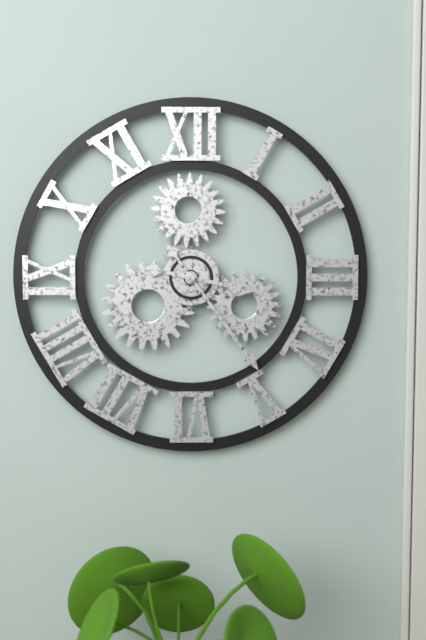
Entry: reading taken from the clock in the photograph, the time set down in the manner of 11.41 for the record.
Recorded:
3.24
